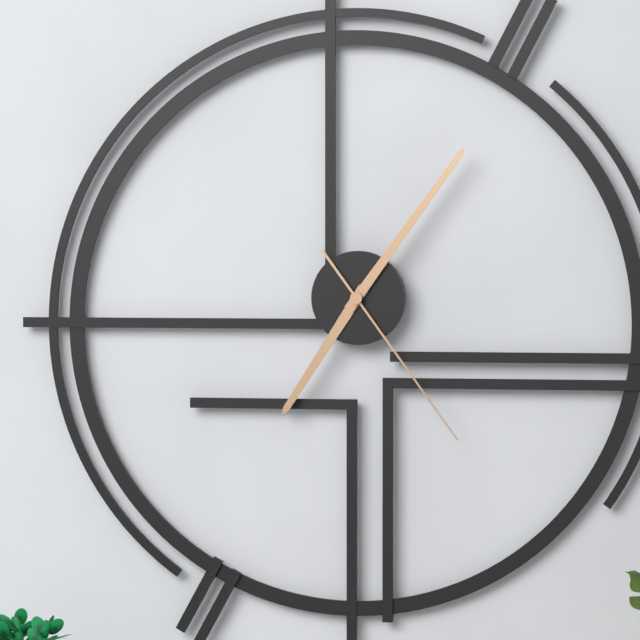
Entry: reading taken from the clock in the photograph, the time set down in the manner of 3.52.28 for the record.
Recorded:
7.06.24
